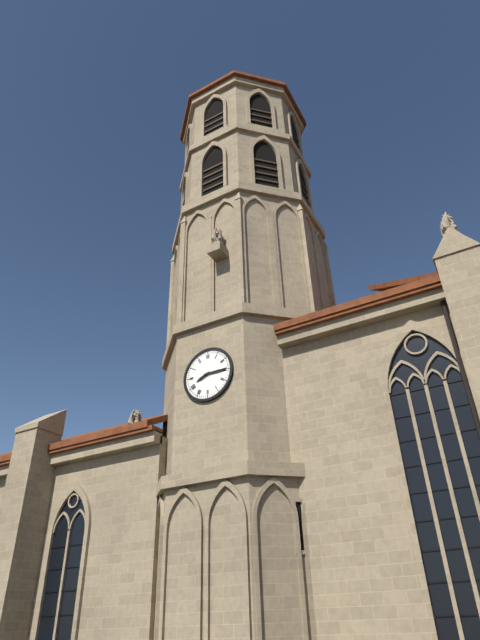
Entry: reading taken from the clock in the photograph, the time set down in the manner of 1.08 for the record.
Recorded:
8.15
